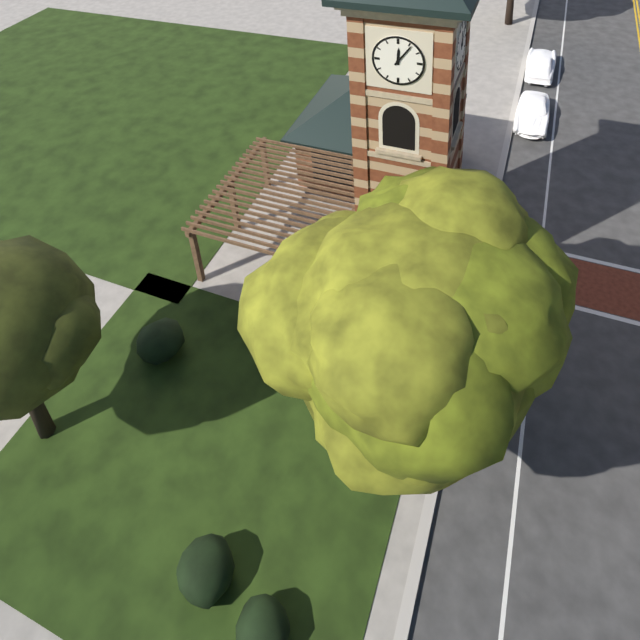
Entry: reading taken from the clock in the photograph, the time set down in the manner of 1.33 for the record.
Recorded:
12.06
